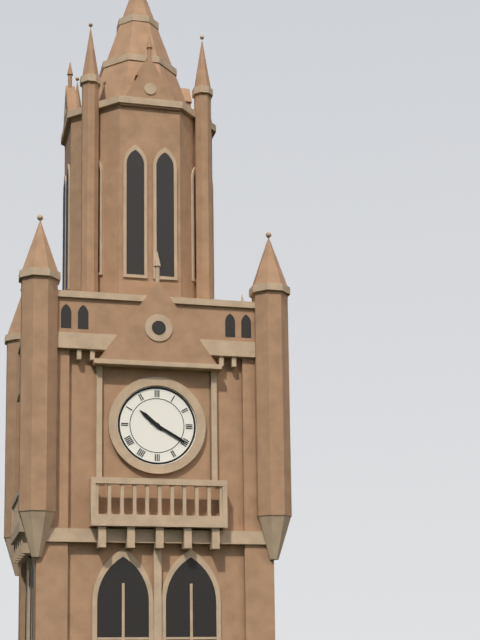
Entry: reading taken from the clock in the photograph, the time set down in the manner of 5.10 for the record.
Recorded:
10.20
